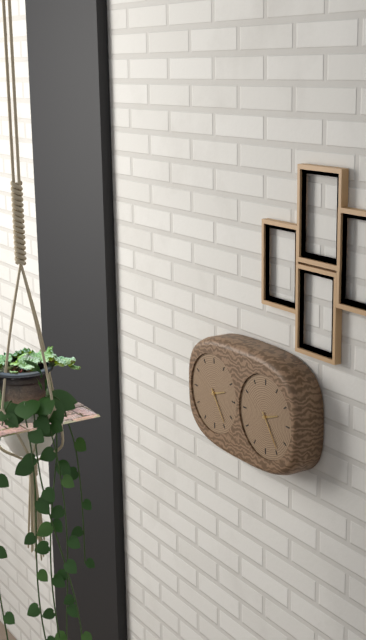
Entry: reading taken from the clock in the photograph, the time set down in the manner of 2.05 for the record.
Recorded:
2.24
